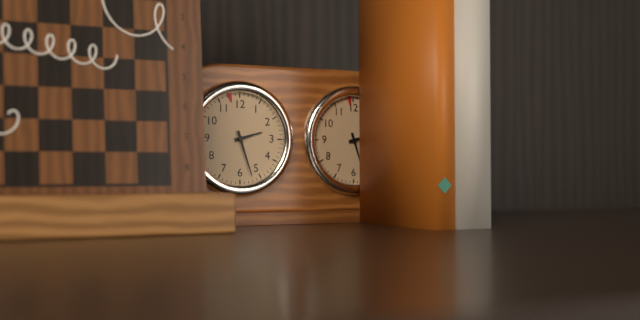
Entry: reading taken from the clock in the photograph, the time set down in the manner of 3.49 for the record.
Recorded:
2.27
